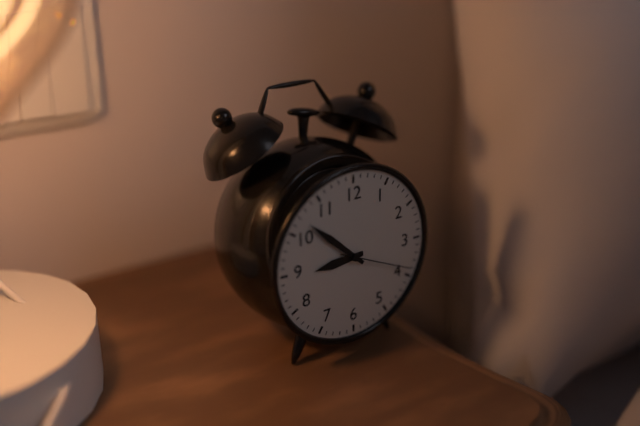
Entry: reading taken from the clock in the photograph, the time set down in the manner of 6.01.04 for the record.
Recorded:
8.52.19
